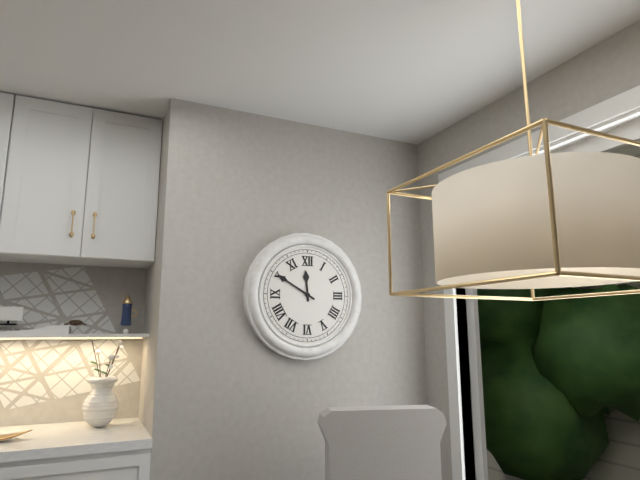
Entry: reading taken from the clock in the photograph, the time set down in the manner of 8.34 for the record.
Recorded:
11.50
